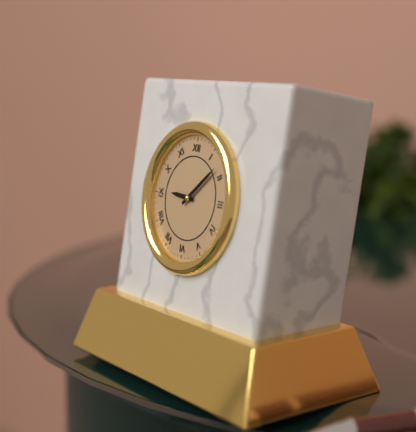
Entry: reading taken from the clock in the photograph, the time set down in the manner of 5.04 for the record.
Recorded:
9.08
